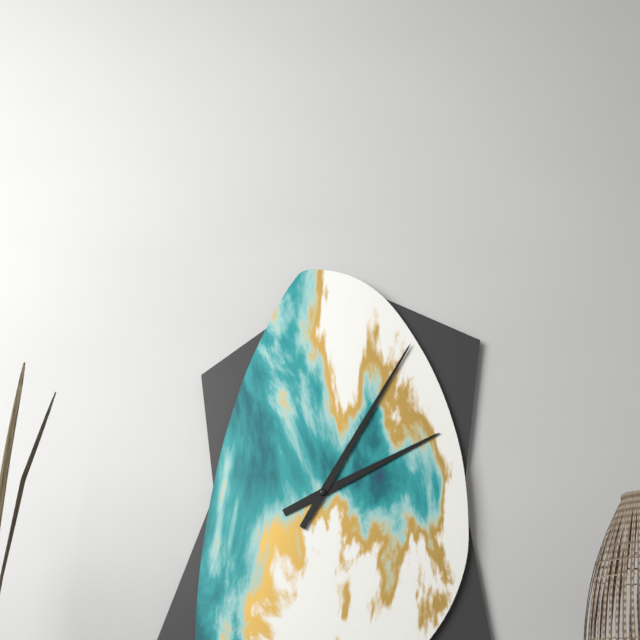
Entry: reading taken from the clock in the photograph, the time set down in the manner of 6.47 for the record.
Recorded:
2.05
